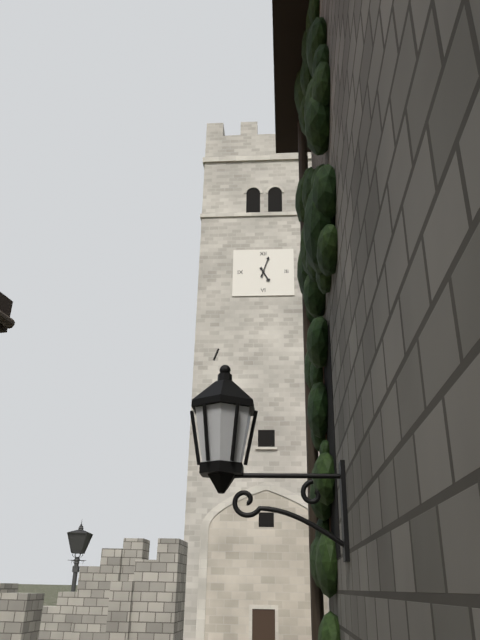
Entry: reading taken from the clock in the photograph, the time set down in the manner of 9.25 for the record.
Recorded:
5.03
